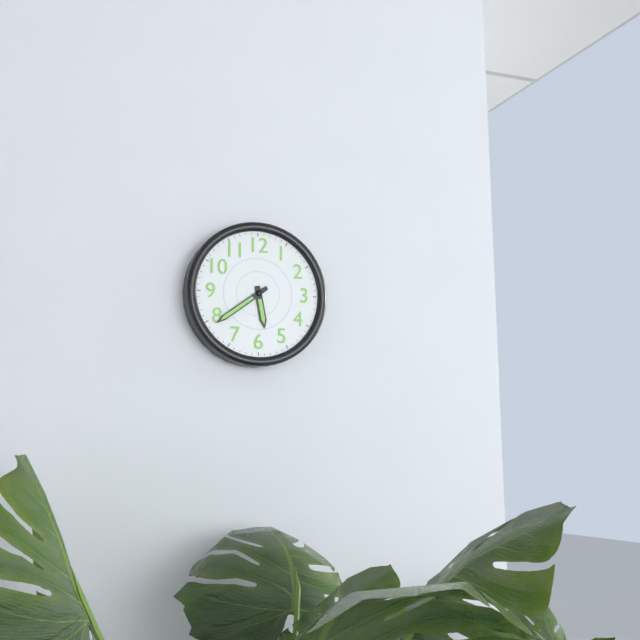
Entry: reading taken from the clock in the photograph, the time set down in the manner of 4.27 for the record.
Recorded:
5.39
